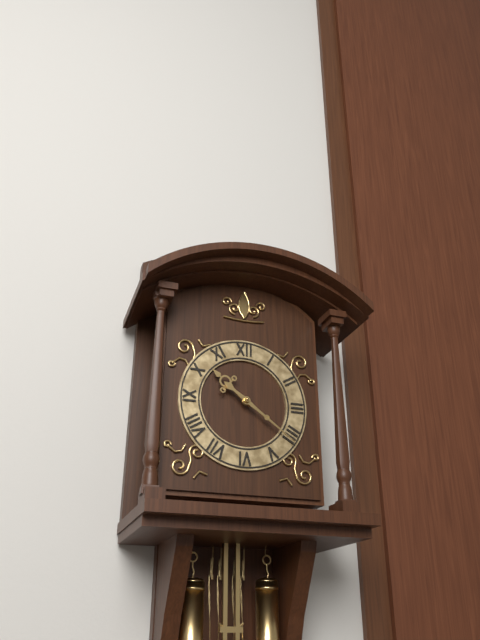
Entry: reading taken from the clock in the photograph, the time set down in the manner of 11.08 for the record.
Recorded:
10.21
